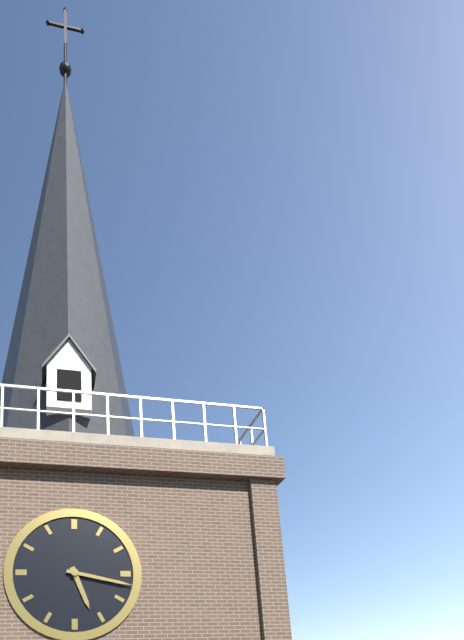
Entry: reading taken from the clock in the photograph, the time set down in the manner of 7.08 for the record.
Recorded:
5.17
